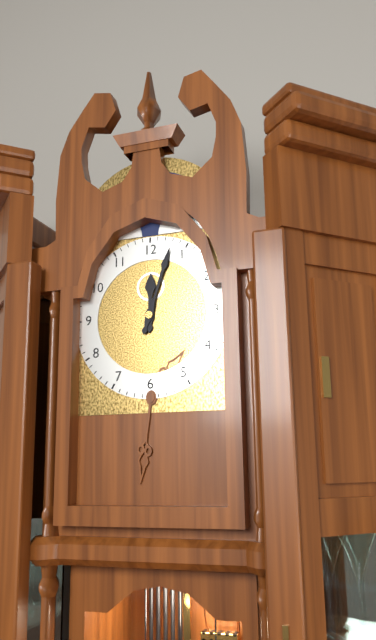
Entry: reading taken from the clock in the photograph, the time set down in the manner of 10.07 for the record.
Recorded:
12.03
